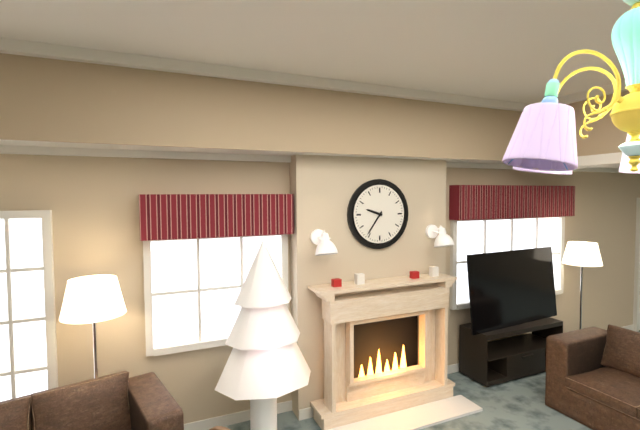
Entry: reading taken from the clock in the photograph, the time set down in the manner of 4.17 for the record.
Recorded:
9.36
